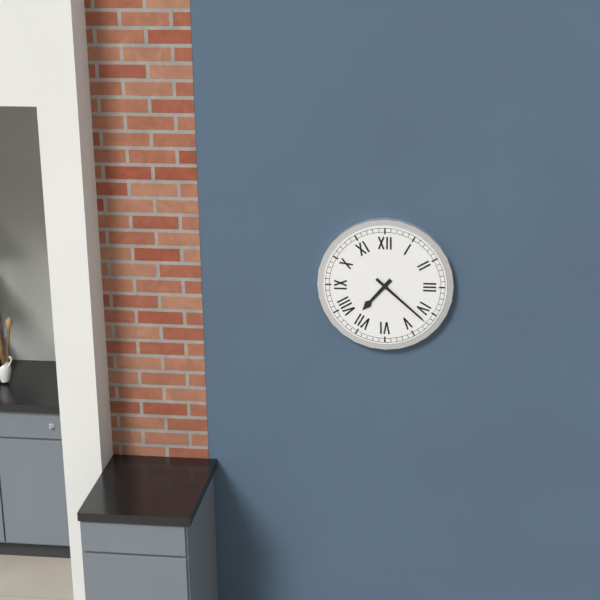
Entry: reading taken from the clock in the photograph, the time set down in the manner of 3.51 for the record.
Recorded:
7.22
